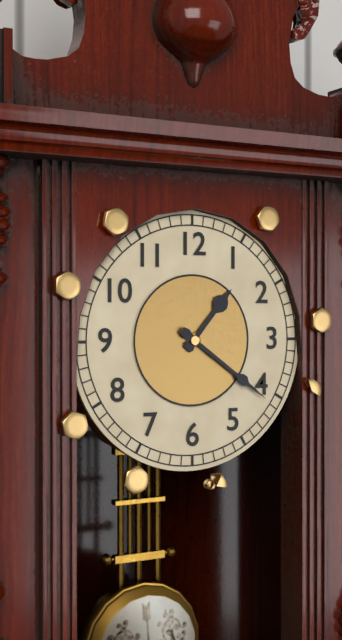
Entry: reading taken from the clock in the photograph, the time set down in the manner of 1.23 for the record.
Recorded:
1.21
